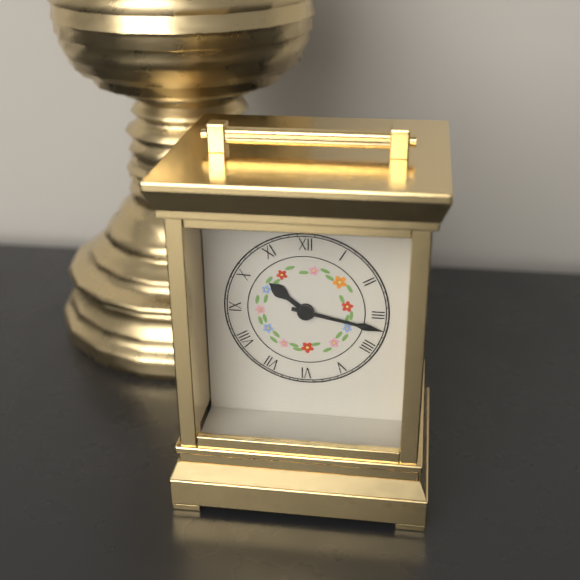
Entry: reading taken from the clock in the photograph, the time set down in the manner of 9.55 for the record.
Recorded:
10.17
